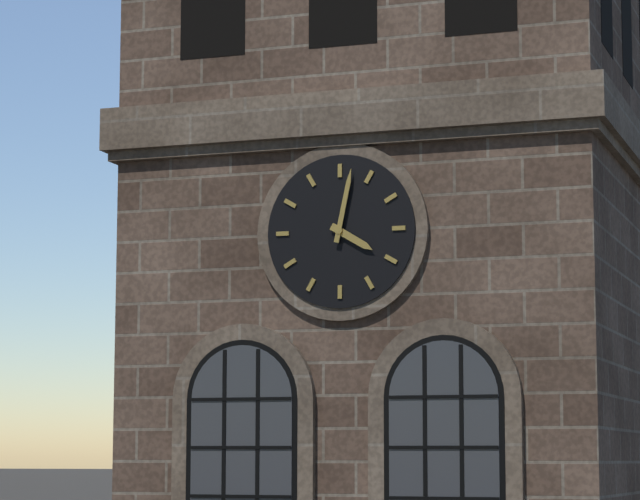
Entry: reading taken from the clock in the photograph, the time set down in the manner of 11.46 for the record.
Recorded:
4.02
